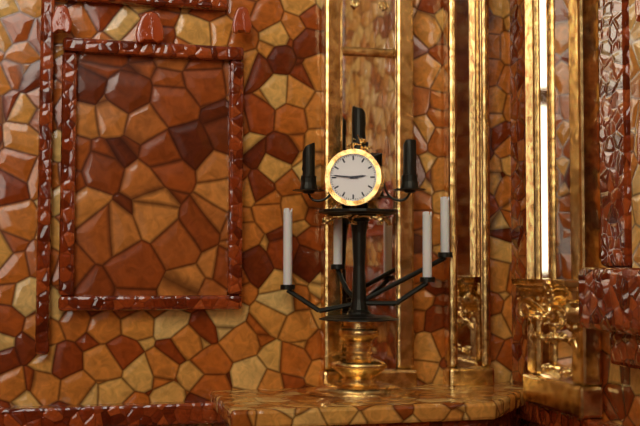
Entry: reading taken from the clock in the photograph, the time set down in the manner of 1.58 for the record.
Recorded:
2.46
